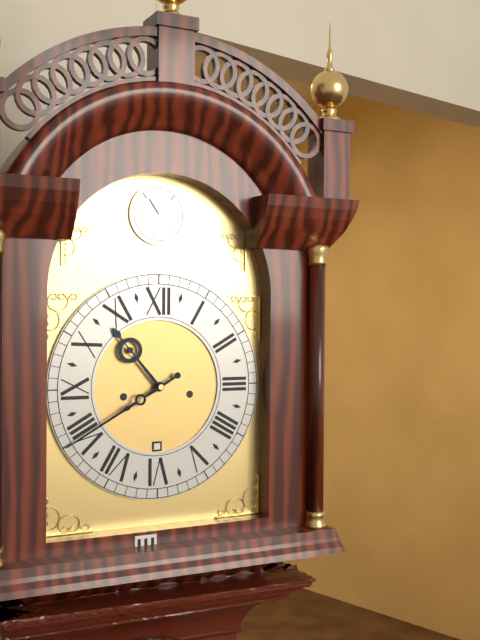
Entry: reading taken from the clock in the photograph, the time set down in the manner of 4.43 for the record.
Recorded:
10.40
